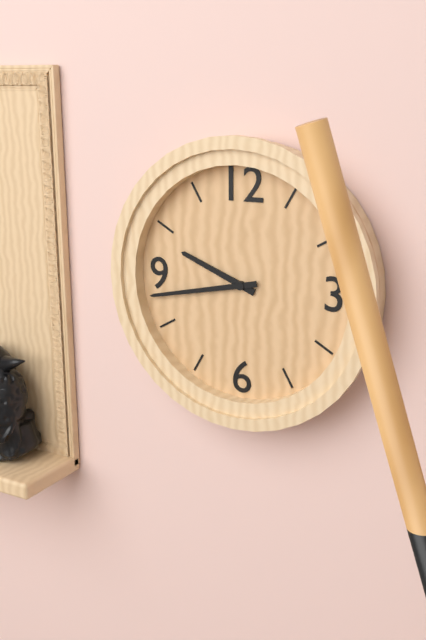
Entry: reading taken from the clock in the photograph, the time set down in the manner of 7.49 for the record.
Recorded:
9.43
